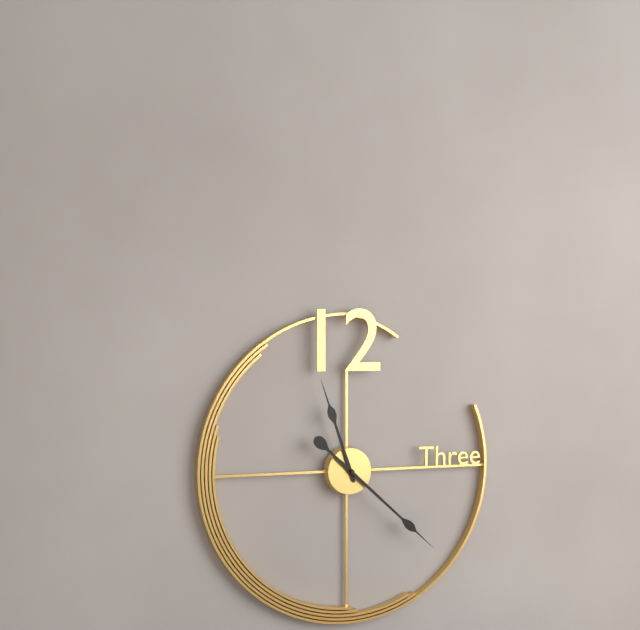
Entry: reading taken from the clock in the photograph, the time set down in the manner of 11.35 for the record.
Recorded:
11.22
